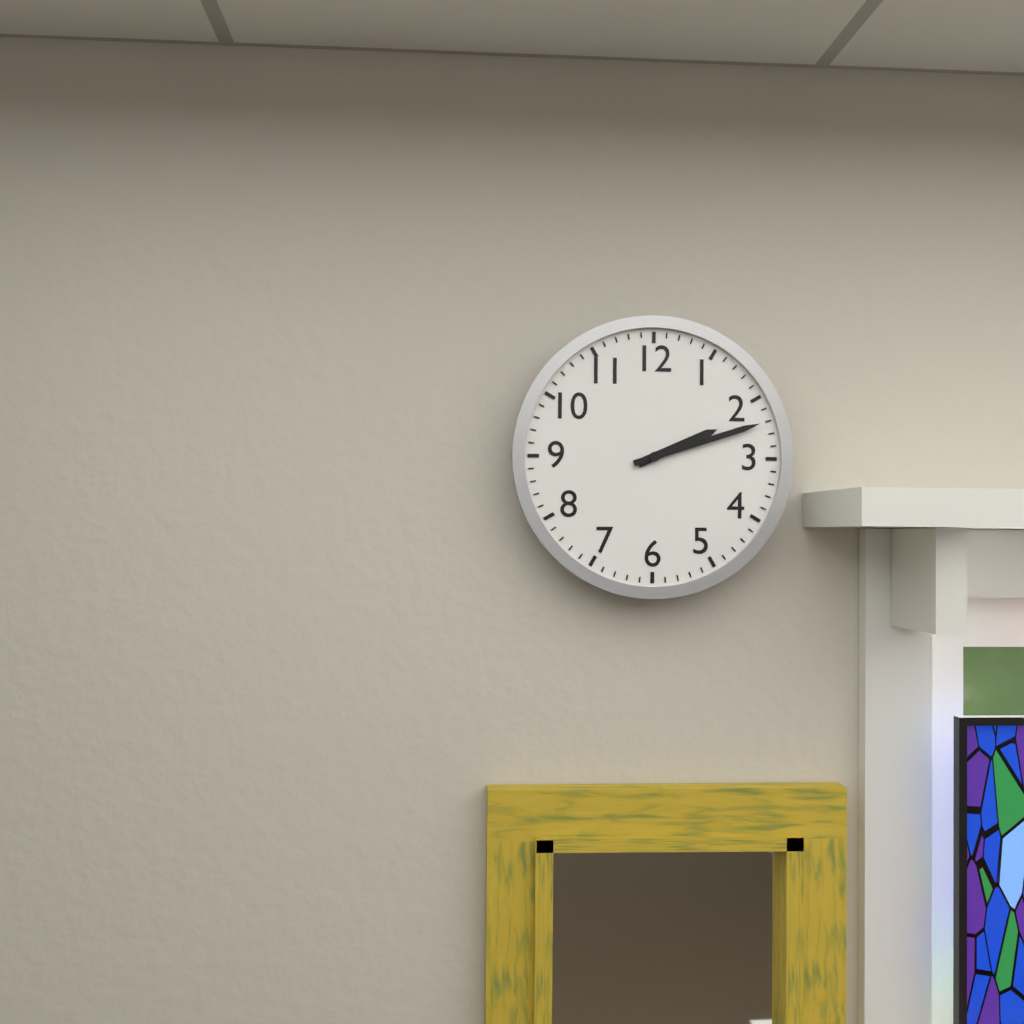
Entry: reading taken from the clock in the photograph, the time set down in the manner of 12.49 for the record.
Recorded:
2.12
